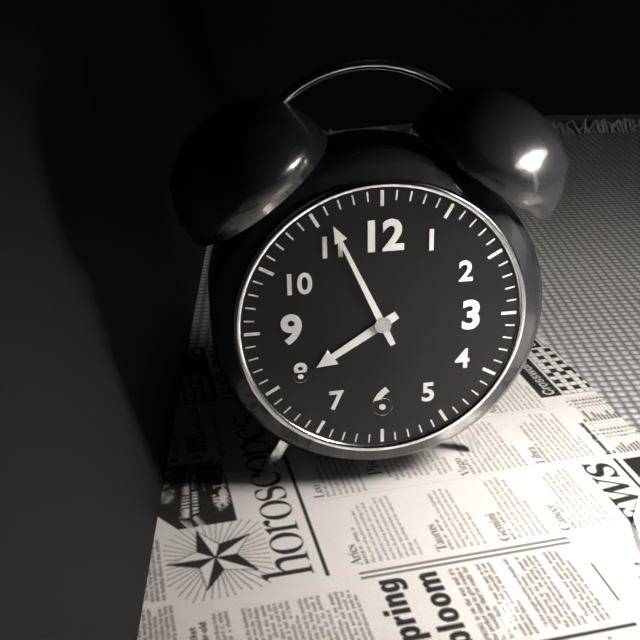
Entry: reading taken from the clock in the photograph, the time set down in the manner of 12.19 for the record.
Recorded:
7.56
